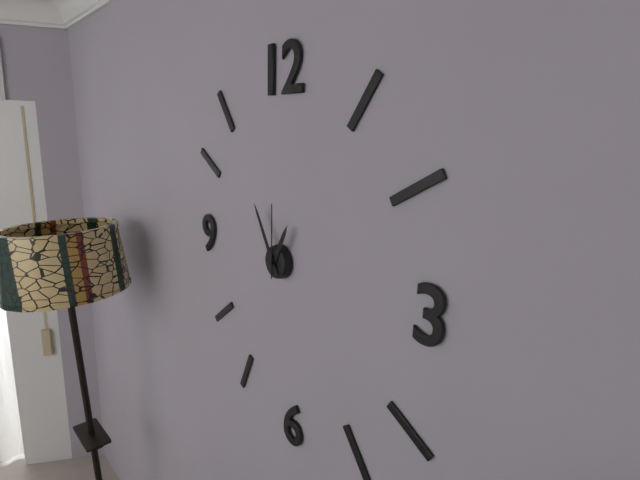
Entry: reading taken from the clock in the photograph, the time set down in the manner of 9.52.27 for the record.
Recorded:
12.55.00
